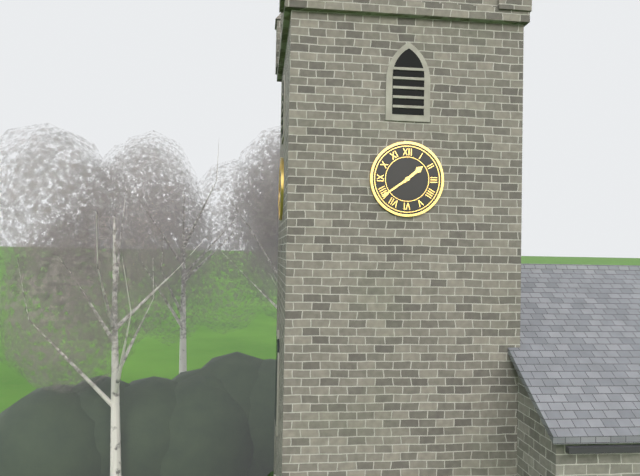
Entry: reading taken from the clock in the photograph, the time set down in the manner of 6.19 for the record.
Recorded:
1.39
